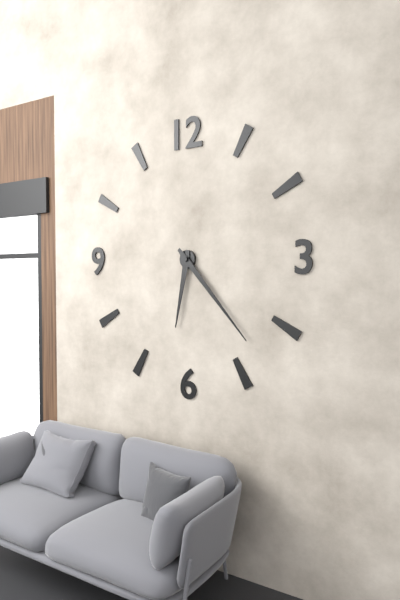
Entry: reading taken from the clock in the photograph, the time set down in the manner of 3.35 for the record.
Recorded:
6.23
